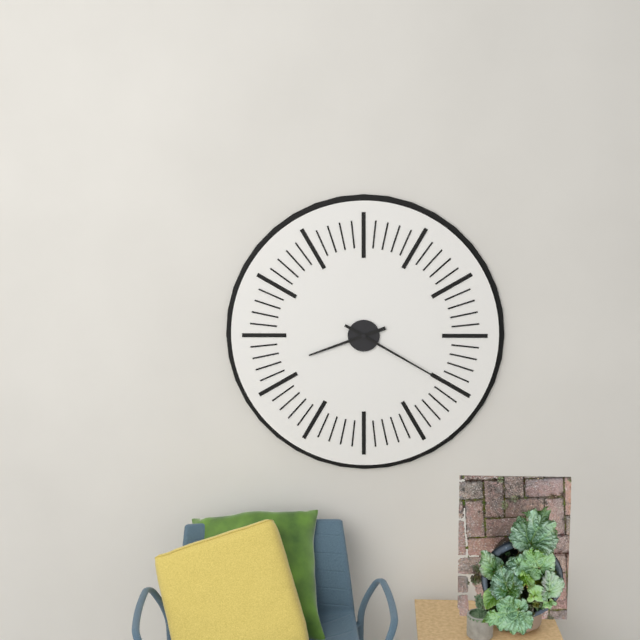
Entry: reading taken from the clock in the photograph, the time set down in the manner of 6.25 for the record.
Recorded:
8.20
